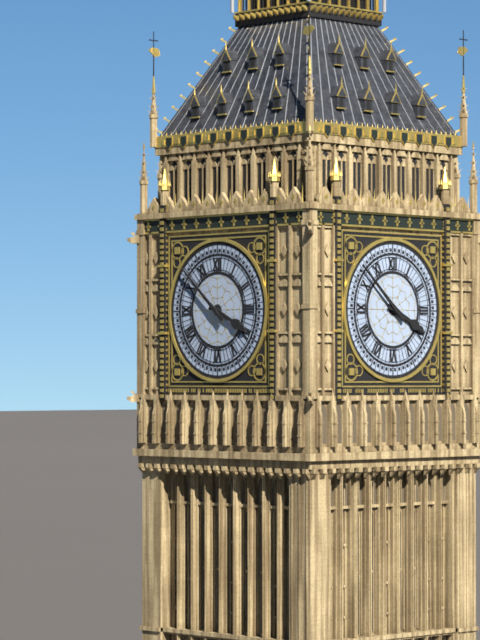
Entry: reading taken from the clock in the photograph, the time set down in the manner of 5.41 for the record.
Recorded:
3.52
